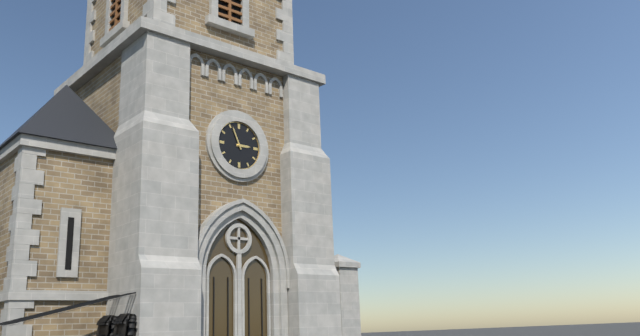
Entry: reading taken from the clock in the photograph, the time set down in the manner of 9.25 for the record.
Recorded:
2.56
